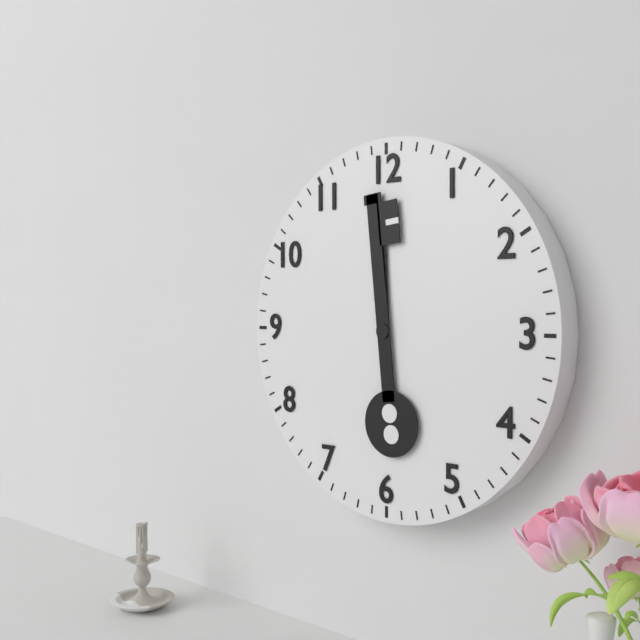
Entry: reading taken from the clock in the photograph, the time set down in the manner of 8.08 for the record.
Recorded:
11.59
